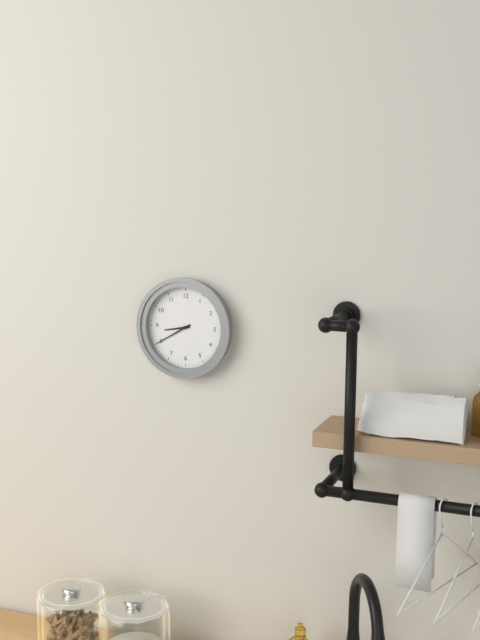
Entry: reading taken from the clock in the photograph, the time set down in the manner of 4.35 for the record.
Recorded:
8.40
